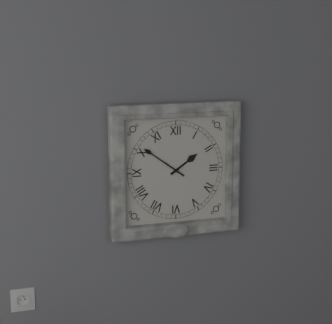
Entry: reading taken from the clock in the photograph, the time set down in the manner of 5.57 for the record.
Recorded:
1.51
